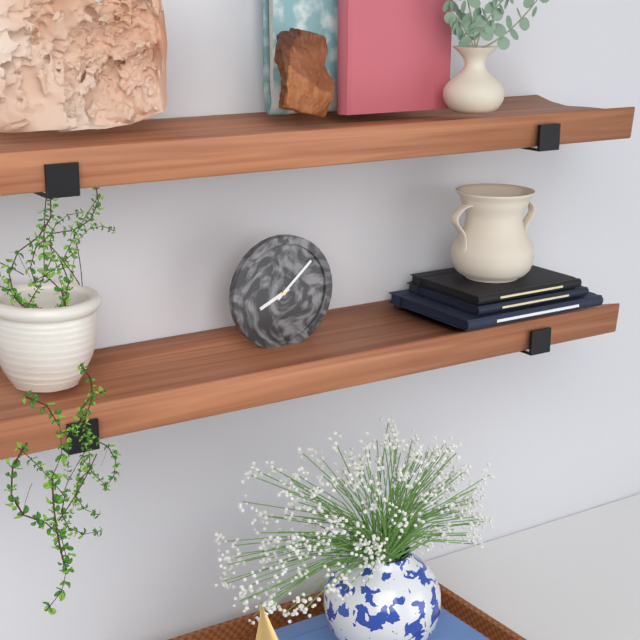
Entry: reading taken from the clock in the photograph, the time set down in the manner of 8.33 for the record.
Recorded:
8.08
